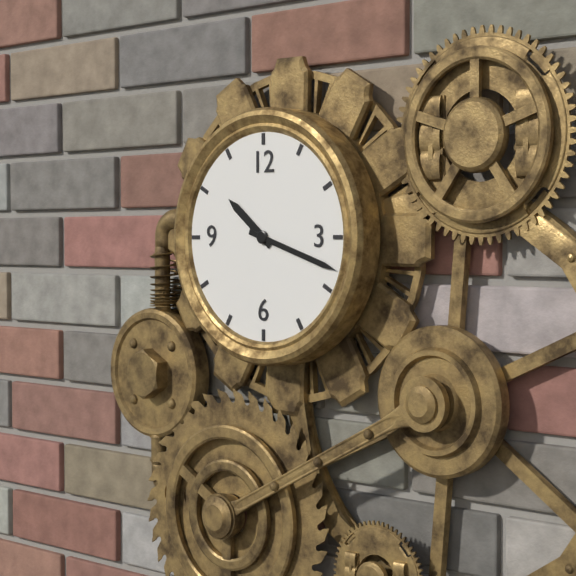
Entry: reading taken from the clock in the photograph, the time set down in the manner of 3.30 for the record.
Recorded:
10.18
